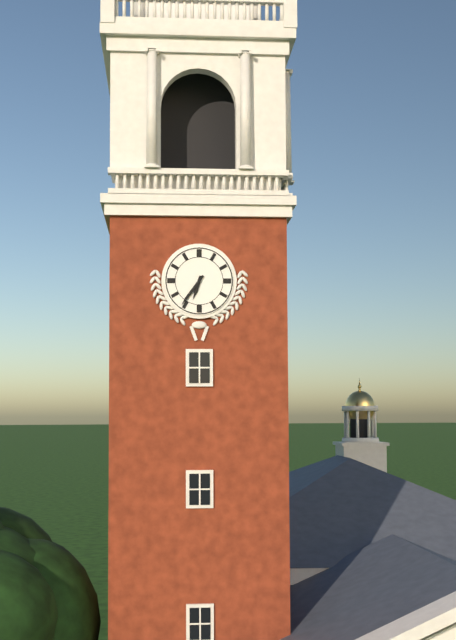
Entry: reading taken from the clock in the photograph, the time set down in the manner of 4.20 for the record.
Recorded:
6.36
